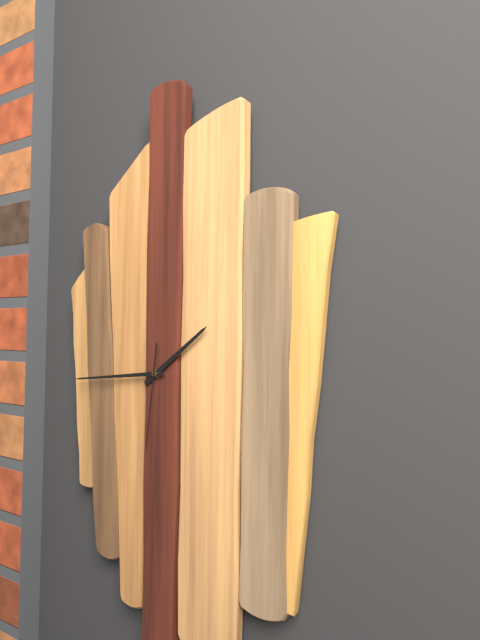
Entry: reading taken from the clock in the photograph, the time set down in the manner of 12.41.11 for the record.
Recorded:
1.44.31
